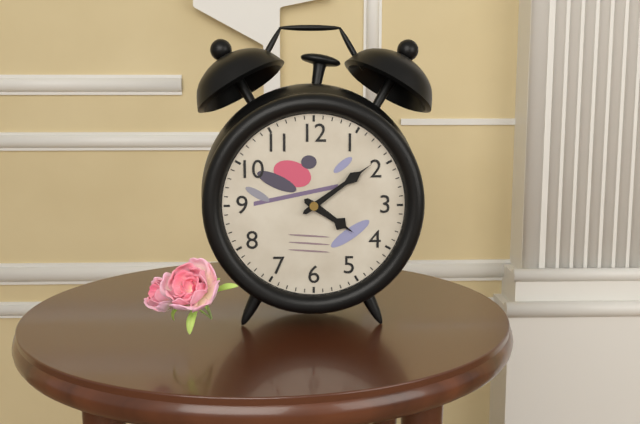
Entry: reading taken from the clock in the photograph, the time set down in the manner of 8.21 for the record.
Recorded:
4.09
